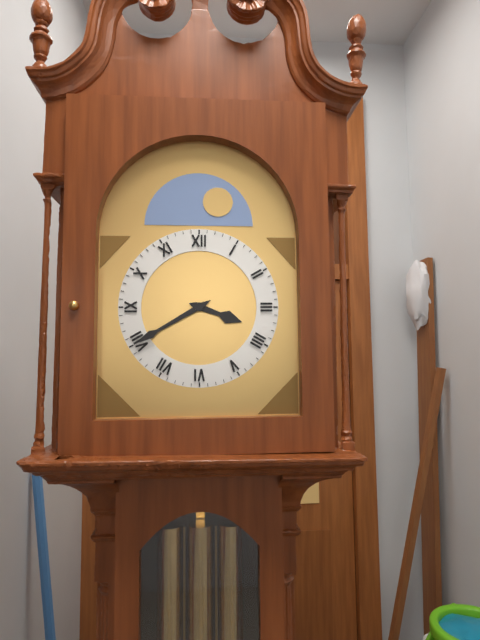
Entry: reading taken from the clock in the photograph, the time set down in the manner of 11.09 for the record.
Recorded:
3.40
